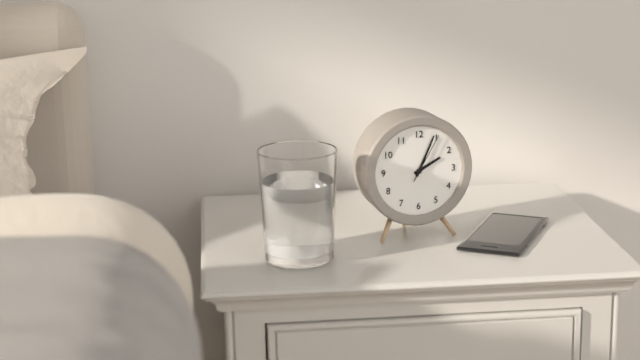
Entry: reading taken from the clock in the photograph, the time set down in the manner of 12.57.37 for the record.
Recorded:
2.04.05
